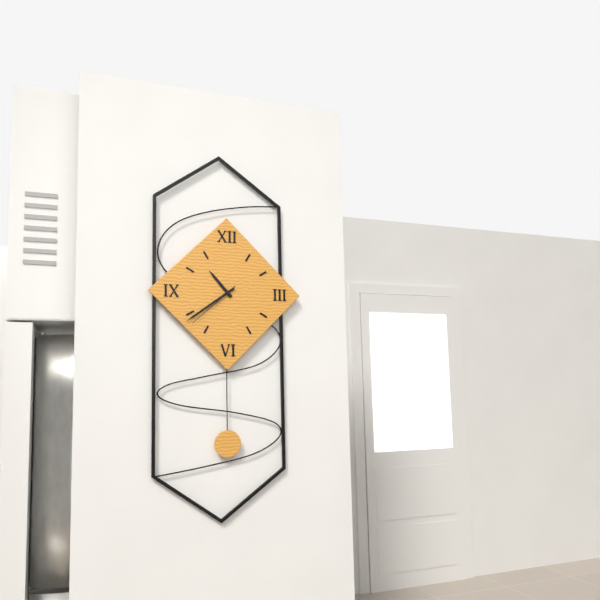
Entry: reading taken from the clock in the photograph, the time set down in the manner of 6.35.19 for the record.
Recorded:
10.39.38
